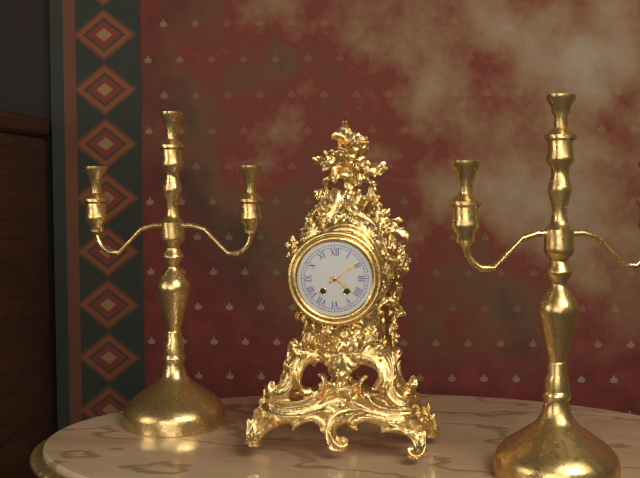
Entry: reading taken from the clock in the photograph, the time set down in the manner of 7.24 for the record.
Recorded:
4.09
